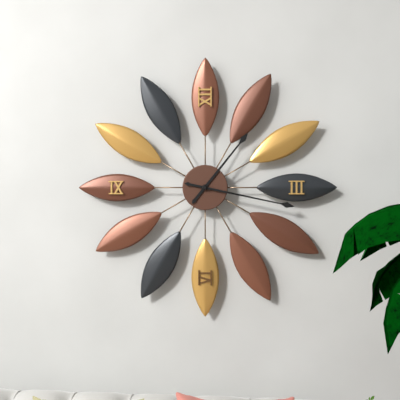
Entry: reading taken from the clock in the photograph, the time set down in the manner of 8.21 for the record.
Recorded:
1.17
